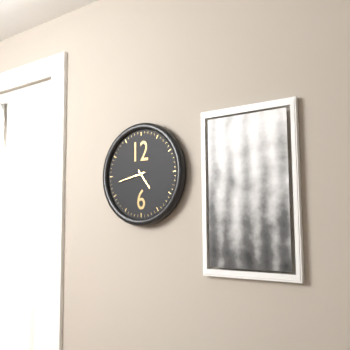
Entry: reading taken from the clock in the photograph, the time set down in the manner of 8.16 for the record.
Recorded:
4.43
